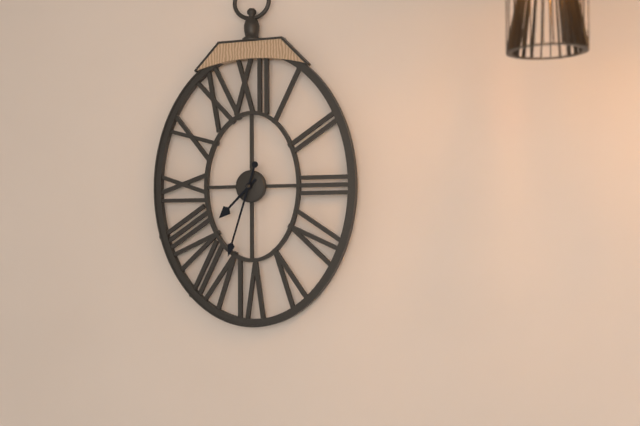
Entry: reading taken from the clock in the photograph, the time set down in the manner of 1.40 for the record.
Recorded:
7.33
